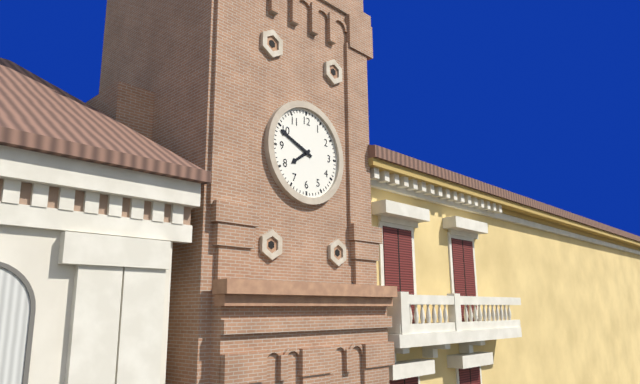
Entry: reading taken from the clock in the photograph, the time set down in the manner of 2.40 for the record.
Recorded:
7.49
